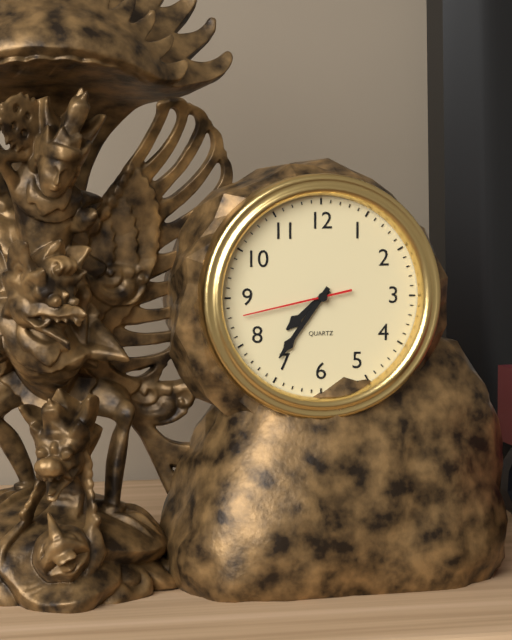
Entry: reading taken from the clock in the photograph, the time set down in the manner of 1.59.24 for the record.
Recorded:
7.36.43
